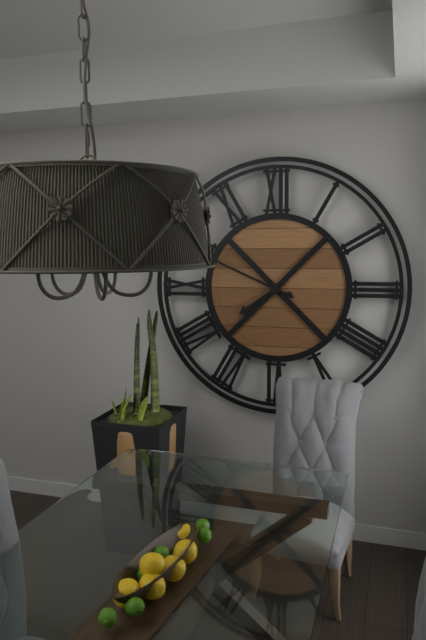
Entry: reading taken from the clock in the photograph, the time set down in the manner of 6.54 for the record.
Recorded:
7.49
